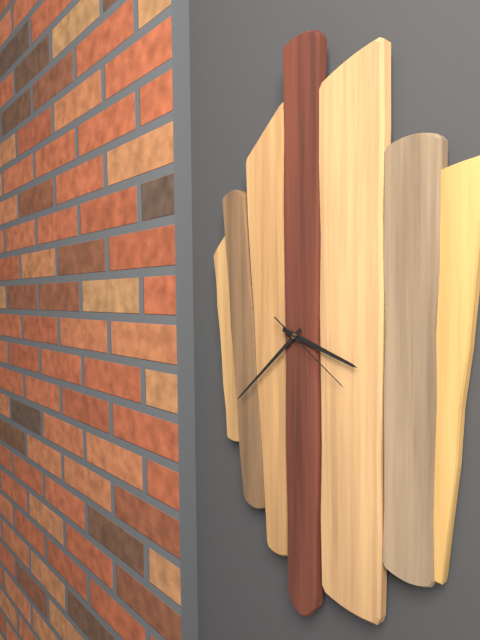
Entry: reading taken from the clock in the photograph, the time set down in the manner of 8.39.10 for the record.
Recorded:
3.38.21
